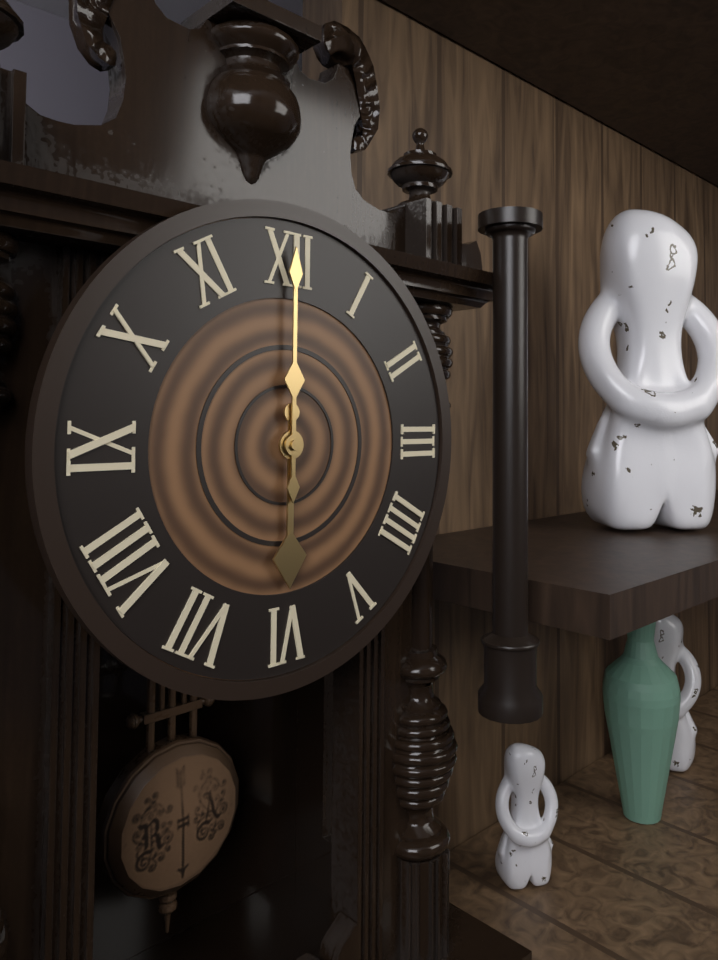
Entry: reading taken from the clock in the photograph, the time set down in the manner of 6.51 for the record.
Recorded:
6.00
